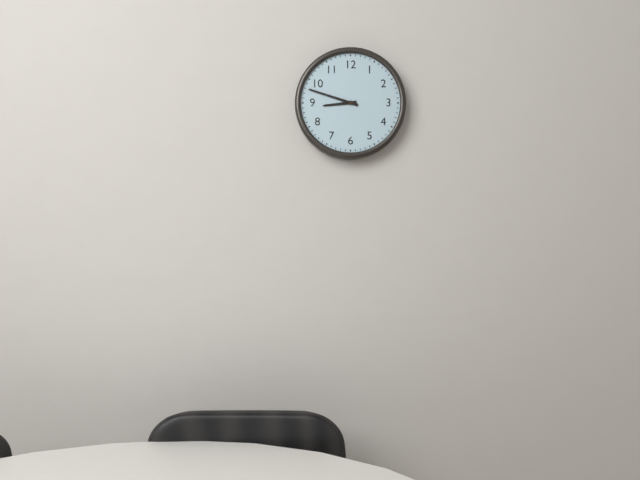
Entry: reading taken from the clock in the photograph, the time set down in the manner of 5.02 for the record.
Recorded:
8.48
